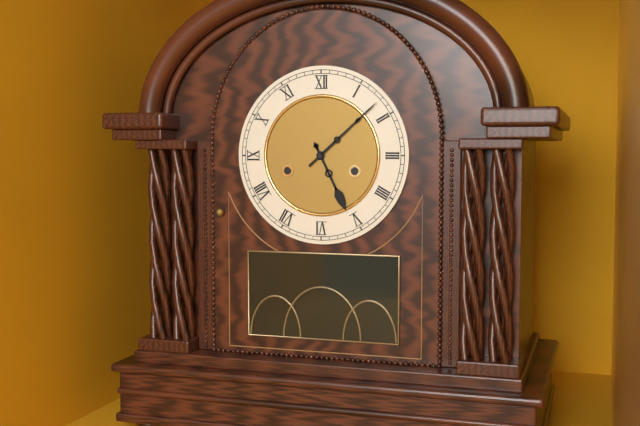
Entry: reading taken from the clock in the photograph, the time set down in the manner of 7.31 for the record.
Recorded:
5.08
